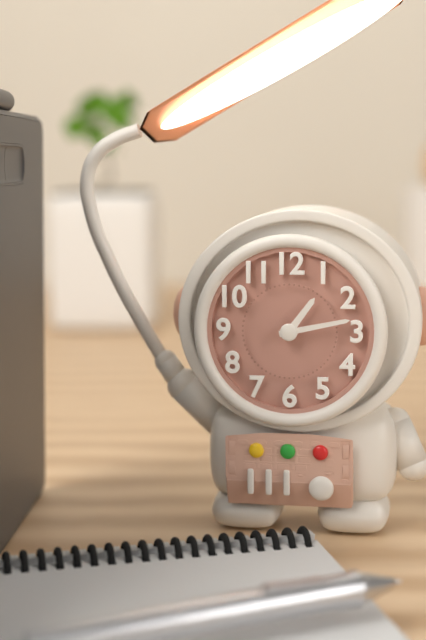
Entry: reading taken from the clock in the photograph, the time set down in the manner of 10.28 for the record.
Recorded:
1.13
